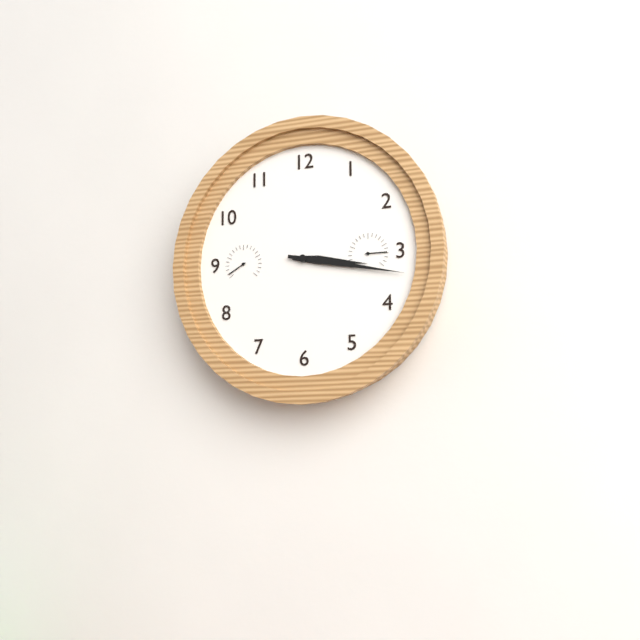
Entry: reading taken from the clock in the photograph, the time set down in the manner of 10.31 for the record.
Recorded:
3.17
